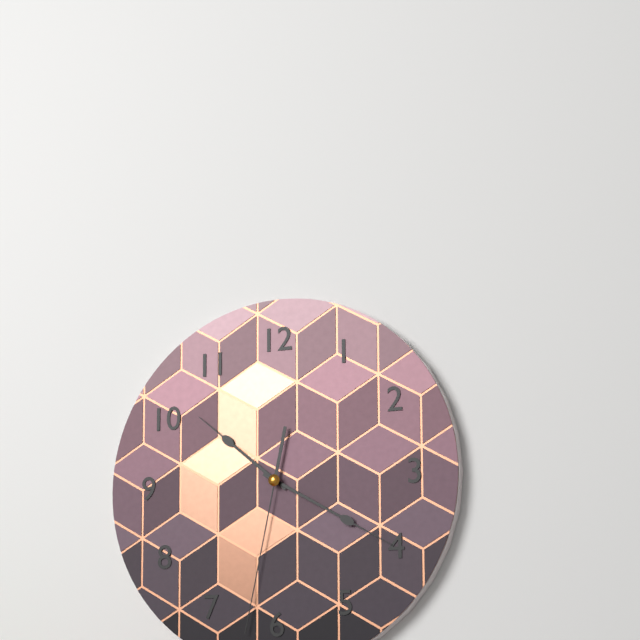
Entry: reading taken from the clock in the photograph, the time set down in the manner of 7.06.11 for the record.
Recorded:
10.20.32
